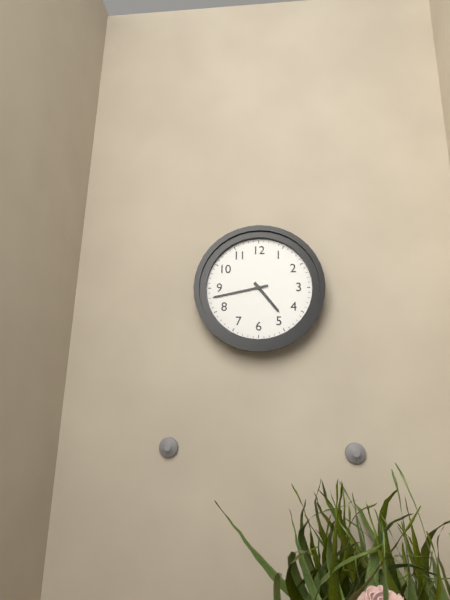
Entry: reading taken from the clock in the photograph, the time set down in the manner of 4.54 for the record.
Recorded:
4.43
